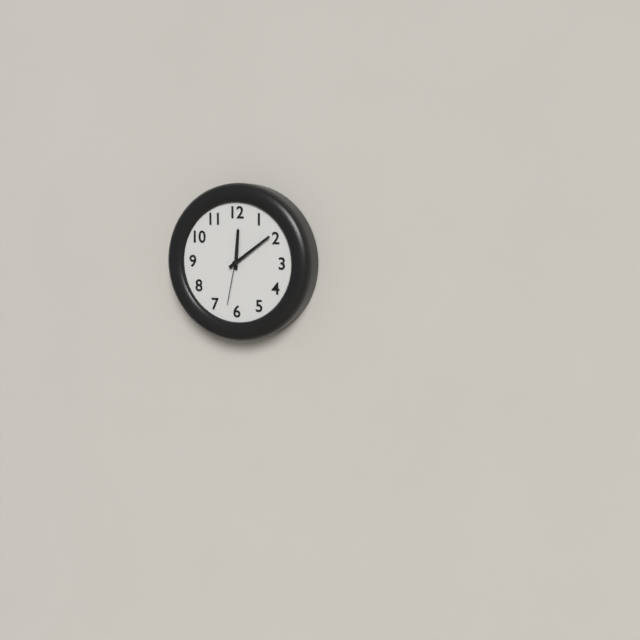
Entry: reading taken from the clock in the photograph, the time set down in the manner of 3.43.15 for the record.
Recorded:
12.09.32
